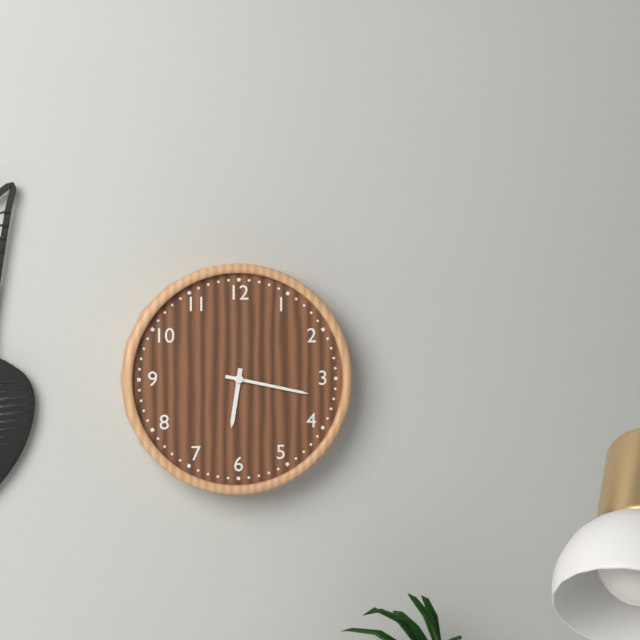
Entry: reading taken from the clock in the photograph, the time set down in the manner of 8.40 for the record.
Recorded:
6.17
